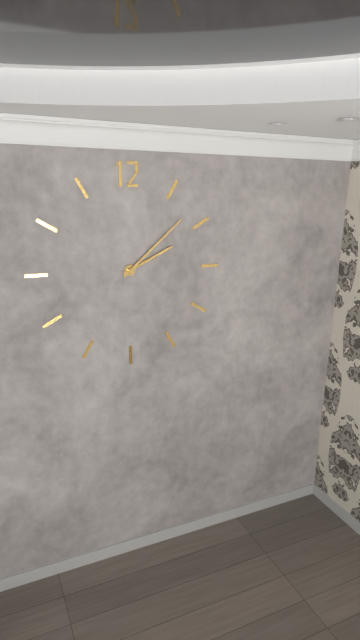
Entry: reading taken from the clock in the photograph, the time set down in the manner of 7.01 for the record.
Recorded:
2.08
